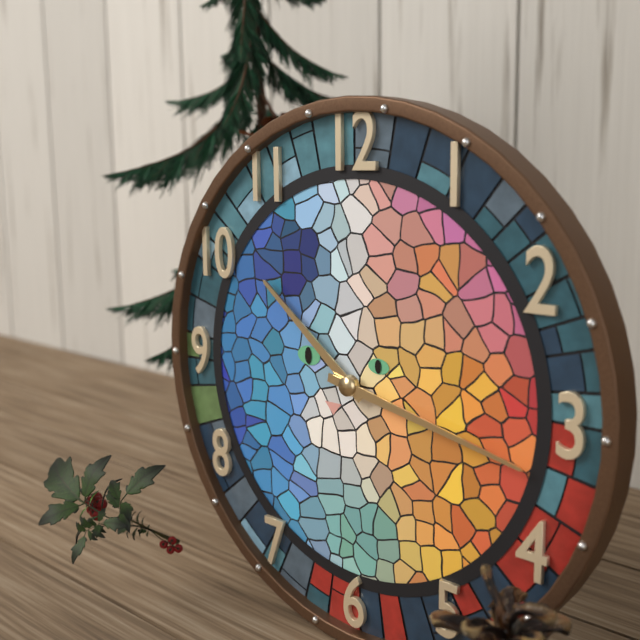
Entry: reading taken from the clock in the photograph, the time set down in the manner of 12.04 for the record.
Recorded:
10.17
